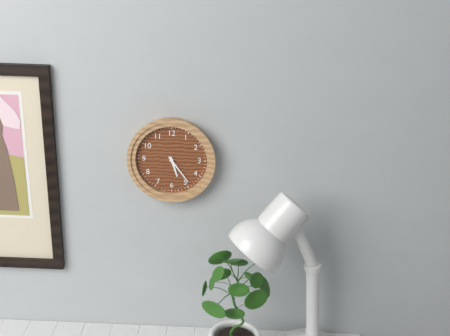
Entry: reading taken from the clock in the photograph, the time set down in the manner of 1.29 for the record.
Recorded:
5.24
